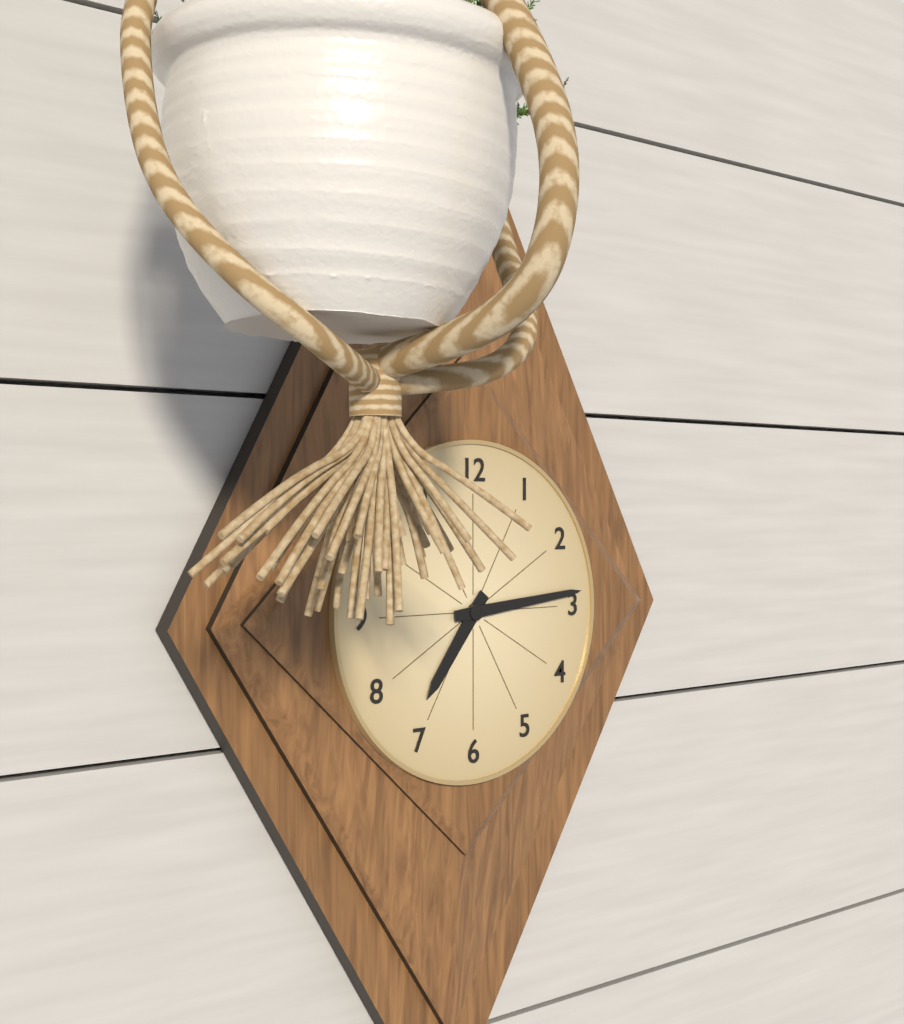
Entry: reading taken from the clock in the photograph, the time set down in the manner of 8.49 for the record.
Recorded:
7.14
